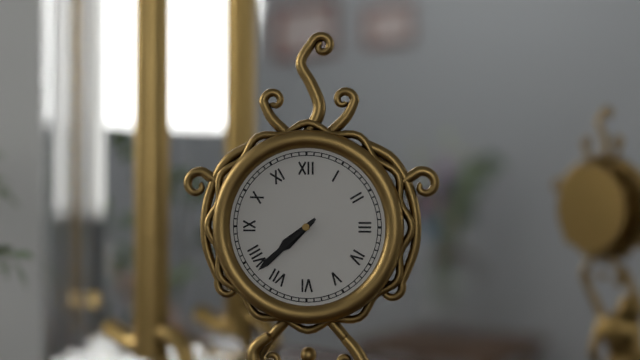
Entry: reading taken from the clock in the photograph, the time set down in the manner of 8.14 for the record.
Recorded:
7.38
